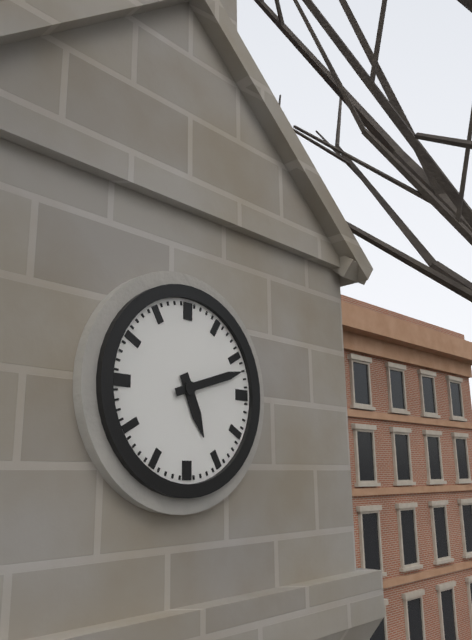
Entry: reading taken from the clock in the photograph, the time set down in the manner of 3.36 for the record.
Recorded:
5.12
